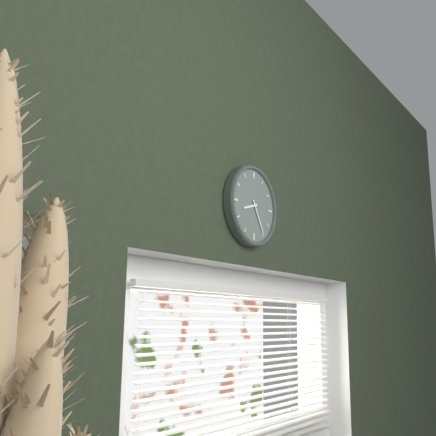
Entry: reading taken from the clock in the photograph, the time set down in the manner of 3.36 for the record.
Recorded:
8.25
